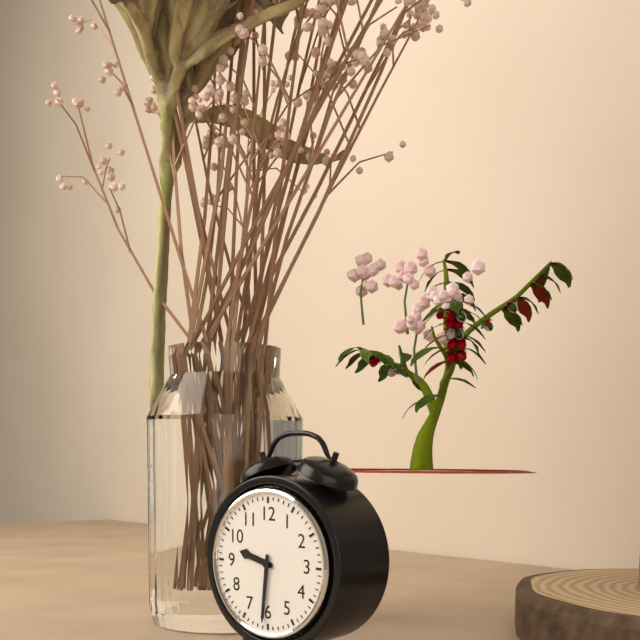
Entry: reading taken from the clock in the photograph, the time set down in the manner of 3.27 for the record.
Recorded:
9.31
